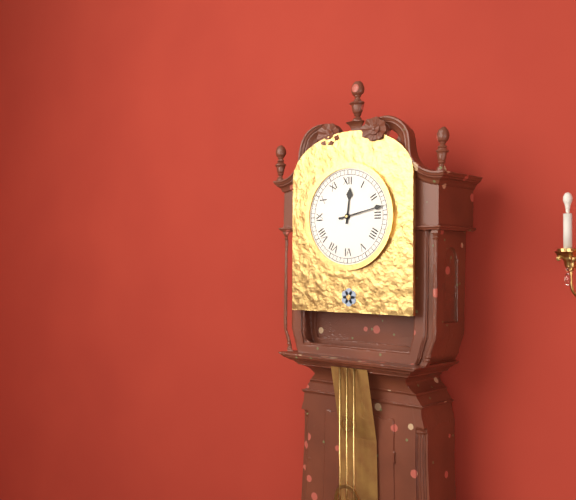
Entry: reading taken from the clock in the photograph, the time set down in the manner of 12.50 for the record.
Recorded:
12.13
